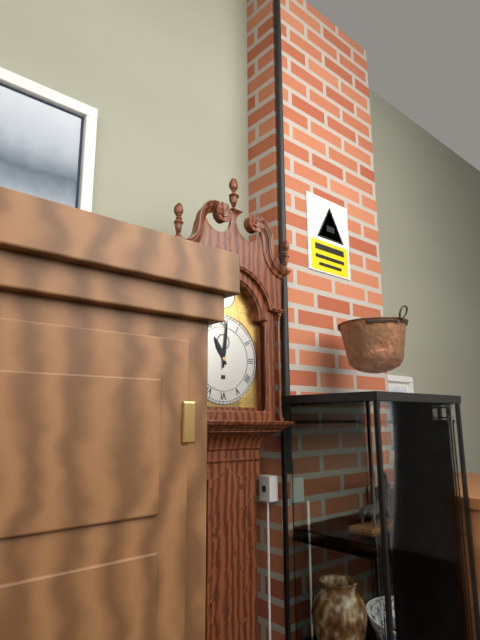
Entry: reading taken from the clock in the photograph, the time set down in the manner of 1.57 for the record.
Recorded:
11.01
